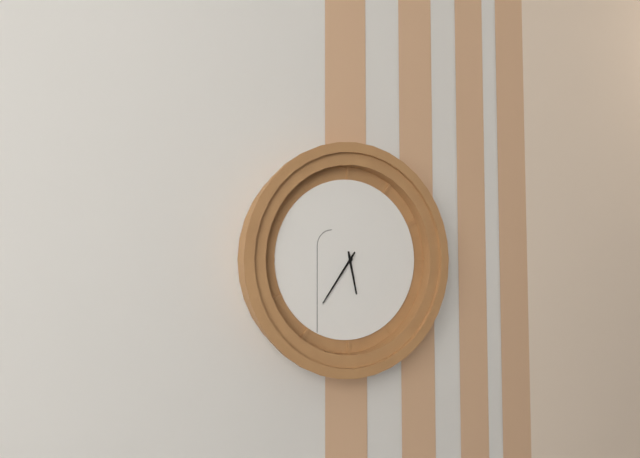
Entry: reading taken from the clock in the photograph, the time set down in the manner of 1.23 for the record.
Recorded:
5.36
